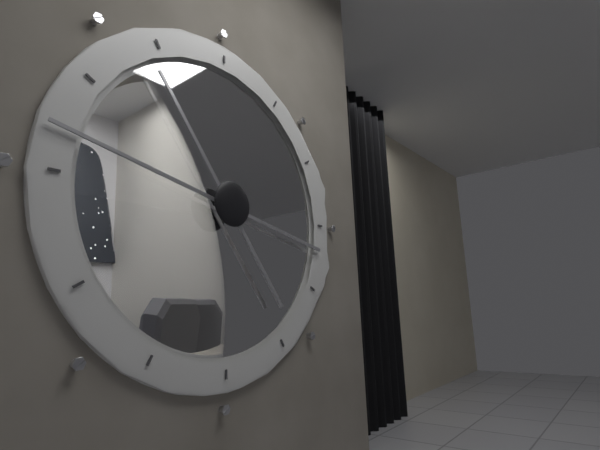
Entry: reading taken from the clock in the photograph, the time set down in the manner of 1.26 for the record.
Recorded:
10.47
